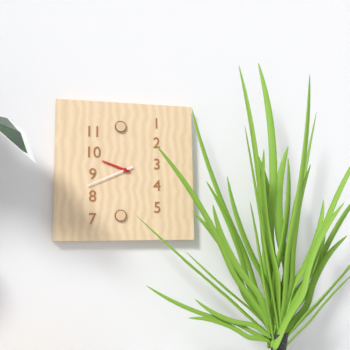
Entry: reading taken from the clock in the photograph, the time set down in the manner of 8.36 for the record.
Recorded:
9.41
